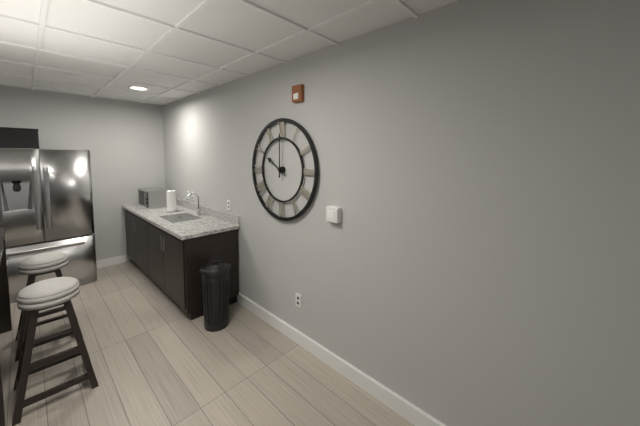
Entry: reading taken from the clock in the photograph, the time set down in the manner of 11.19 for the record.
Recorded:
10.00
